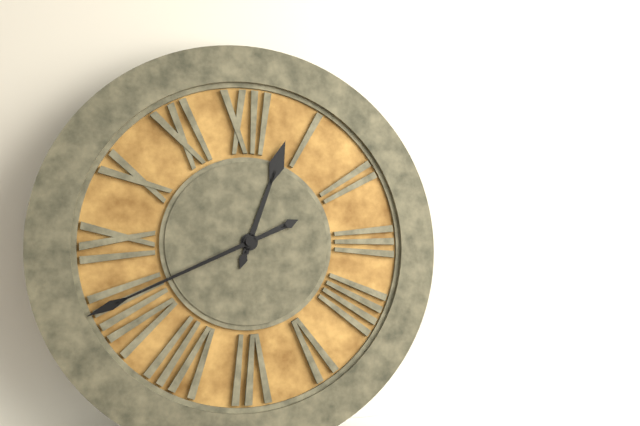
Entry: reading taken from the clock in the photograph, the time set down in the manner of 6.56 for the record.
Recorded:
12.41
